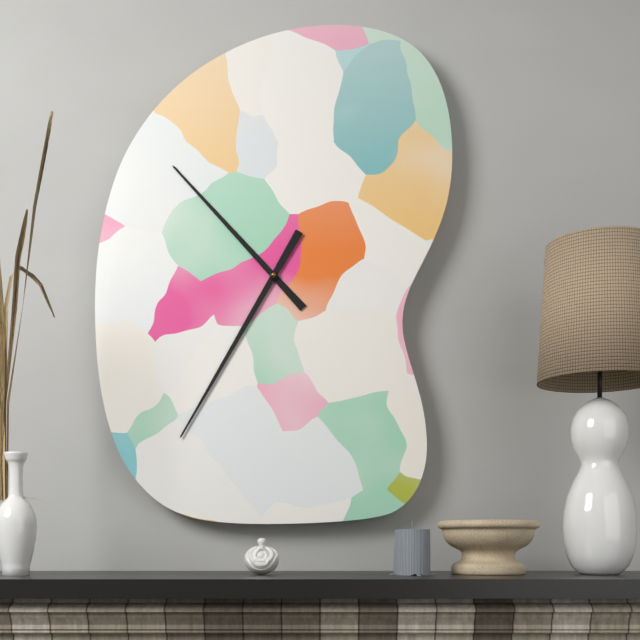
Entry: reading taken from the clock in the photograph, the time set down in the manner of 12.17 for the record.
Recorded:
10.35
